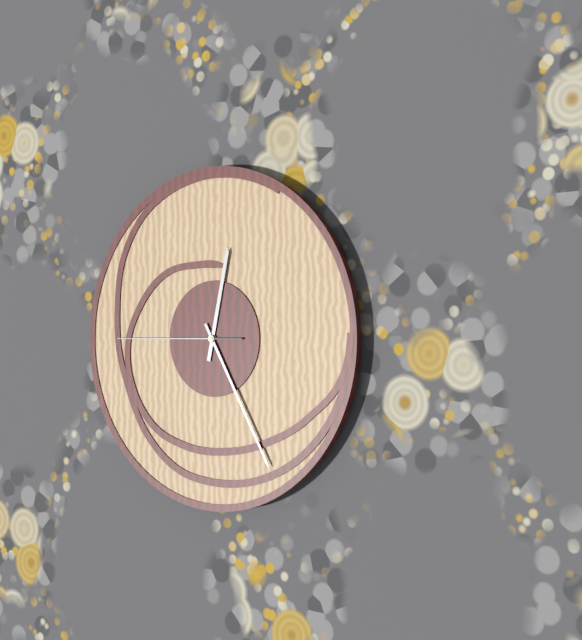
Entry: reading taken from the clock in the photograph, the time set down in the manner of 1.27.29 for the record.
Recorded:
12.25.45
